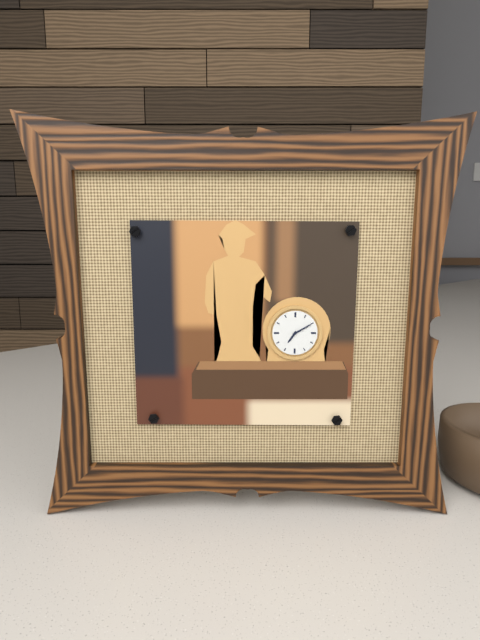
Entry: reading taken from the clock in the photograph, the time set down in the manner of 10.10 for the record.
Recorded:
7.10
